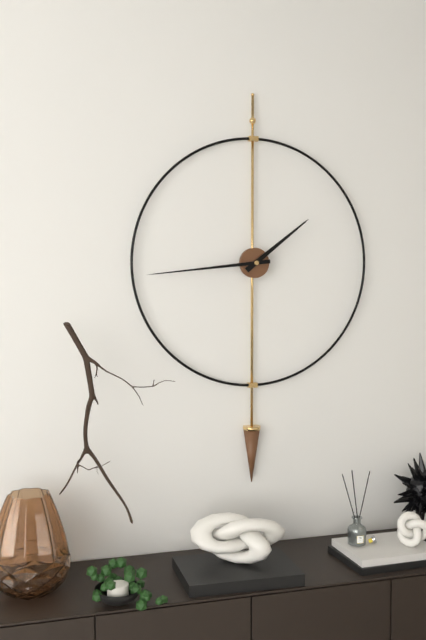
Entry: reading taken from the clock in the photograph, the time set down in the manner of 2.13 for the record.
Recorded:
1.44
